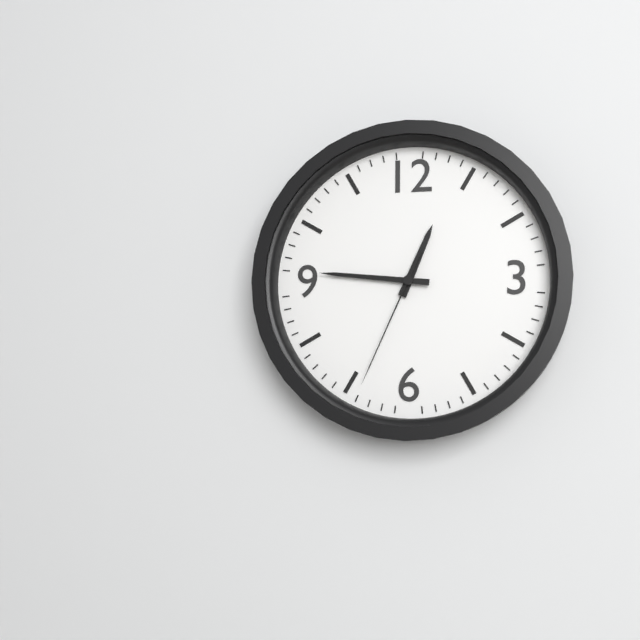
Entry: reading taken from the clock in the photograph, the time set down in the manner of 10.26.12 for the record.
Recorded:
12.46.34
